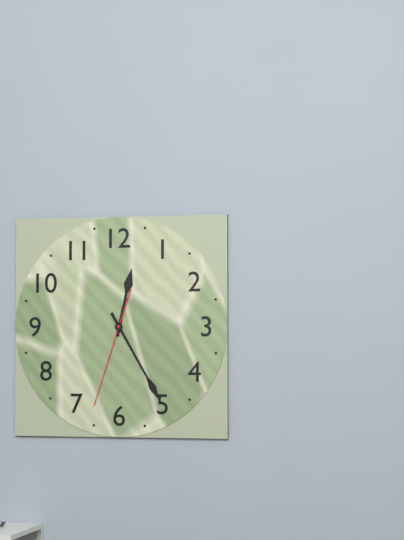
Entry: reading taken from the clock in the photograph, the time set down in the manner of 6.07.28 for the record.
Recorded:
12.25.33
